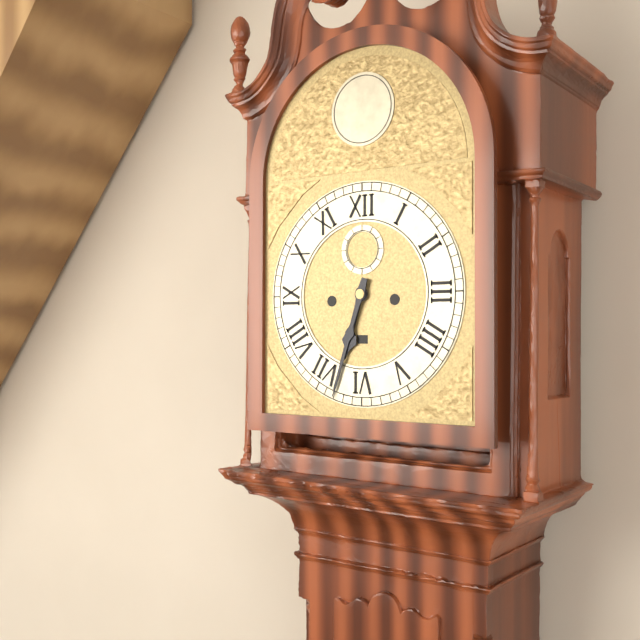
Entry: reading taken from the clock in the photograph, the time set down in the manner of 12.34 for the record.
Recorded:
6.33
